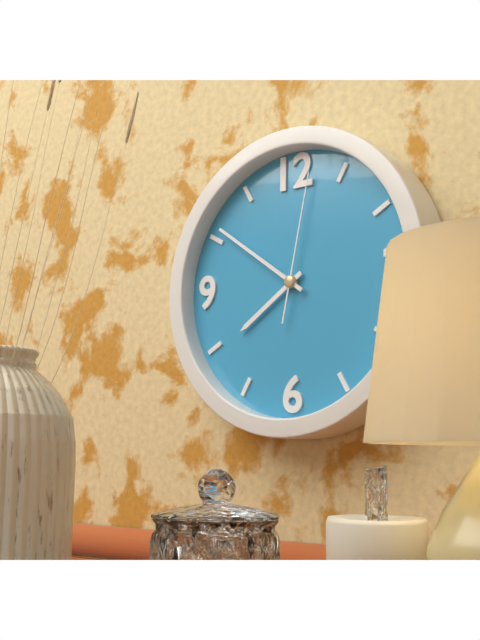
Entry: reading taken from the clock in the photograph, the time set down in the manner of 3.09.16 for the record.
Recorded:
7.51.02
